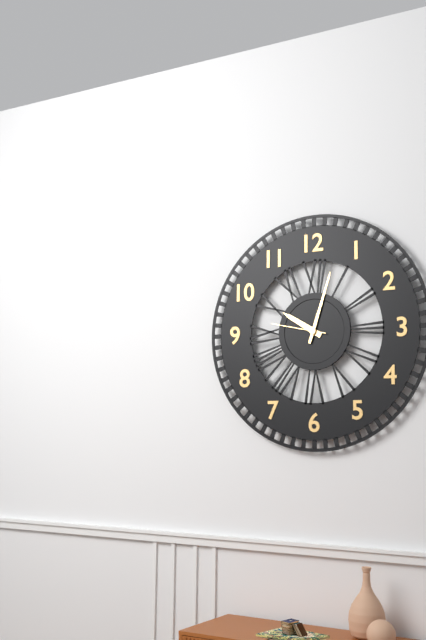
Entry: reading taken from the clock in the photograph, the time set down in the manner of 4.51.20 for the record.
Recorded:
10.03.47
